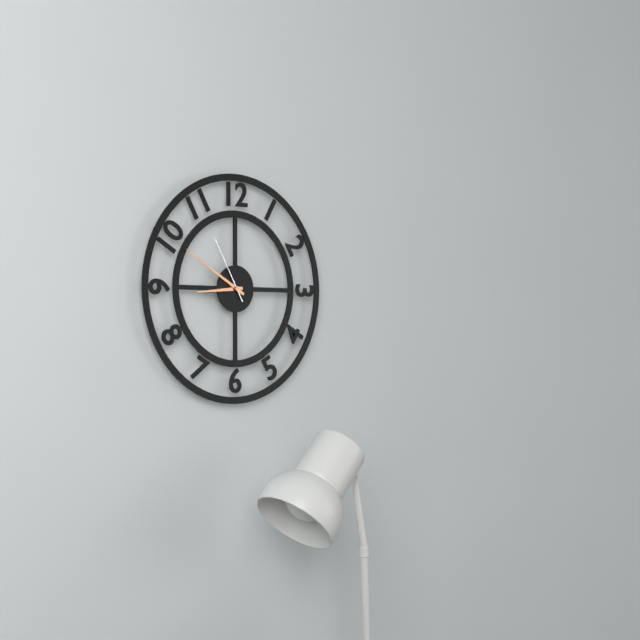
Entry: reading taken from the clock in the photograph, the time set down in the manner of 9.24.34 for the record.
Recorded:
8.50.55
